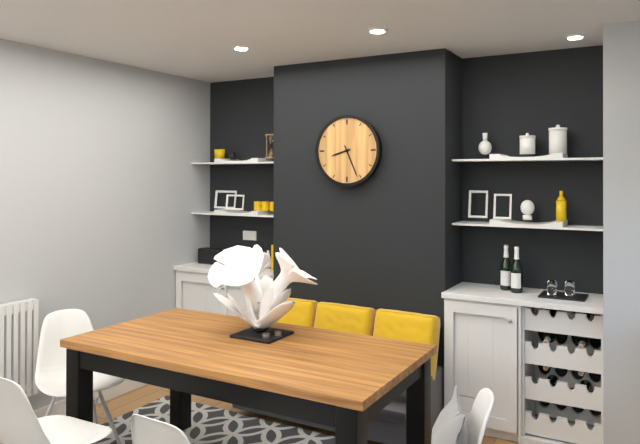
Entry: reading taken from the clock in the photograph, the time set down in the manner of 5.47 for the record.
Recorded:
8.26
